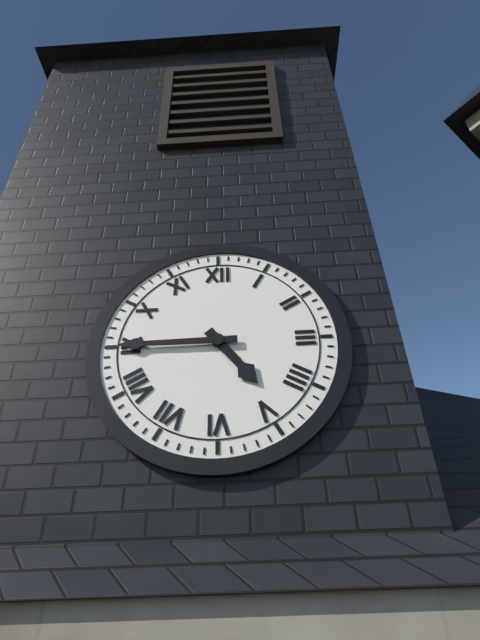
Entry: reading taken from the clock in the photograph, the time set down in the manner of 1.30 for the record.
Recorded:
4.45
